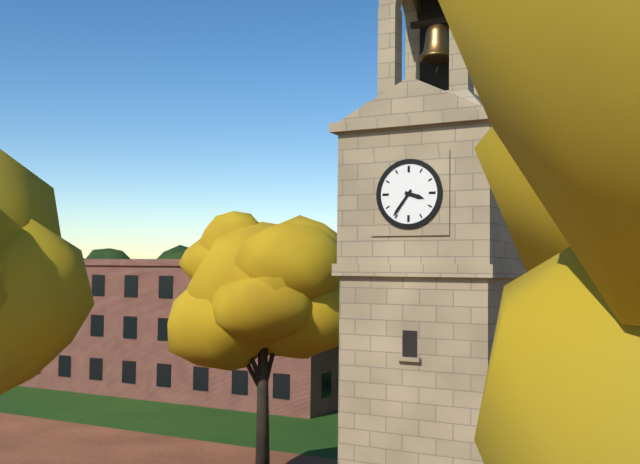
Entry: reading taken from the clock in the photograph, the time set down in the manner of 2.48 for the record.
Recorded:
3.36
